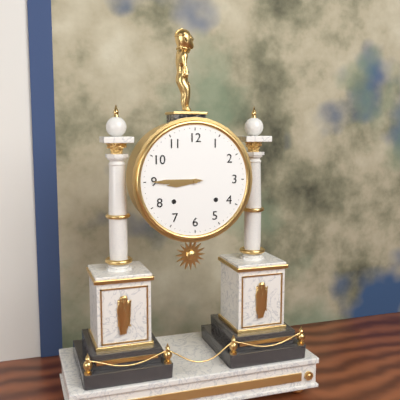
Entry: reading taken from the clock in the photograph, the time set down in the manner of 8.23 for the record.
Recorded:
8.45
